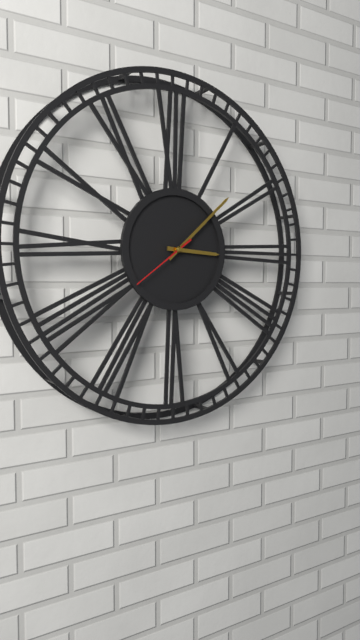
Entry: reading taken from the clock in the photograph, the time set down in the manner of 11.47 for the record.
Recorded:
3.08
